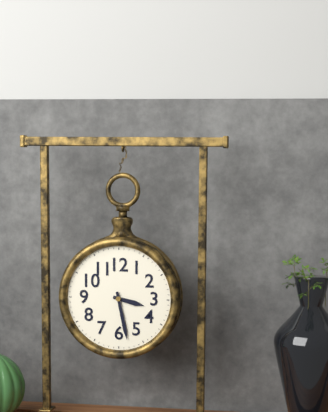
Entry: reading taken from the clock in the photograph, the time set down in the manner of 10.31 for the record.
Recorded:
3.28
